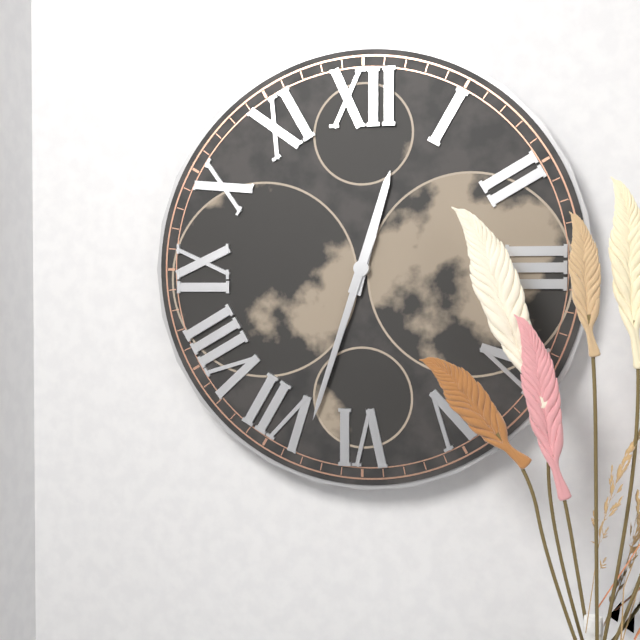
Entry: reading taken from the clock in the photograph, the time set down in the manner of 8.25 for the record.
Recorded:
12.33
